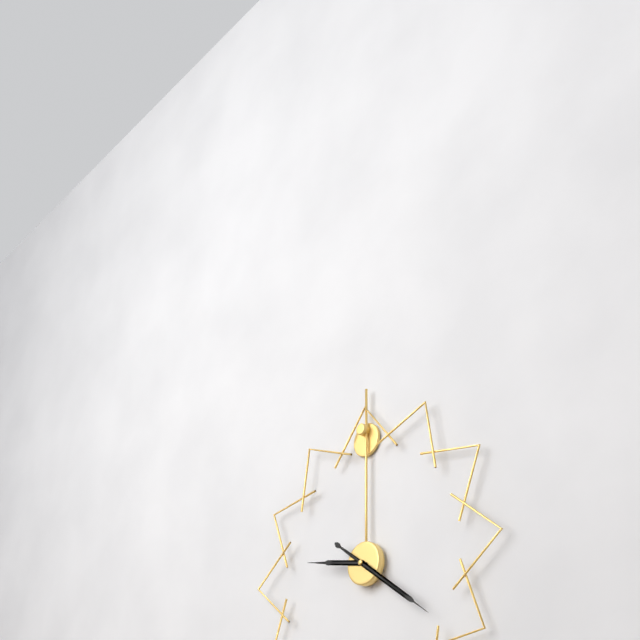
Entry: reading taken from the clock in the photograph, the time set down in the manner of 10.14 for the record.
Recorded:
9.21
